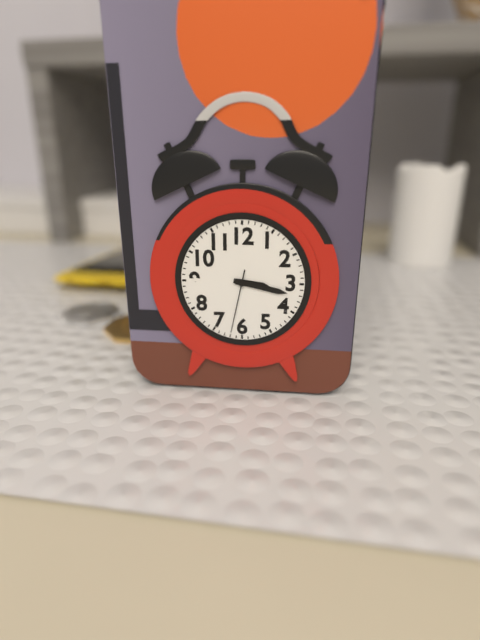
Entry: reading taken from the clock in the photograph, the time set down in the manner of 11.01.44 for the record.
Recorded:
3.17.32
